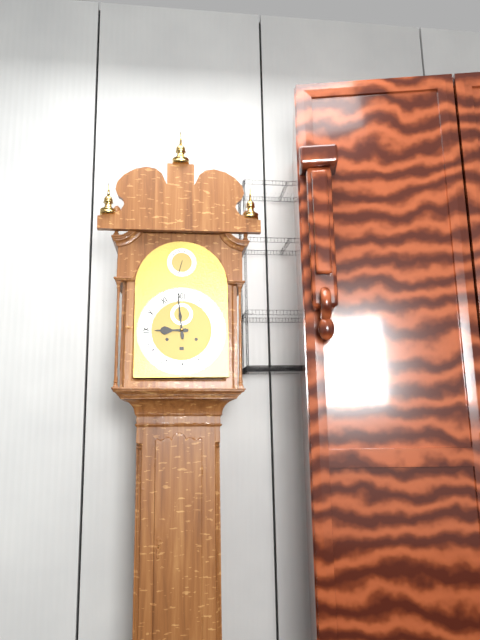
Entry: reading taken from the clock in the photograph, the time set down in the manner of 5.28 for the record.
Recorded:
8.59
